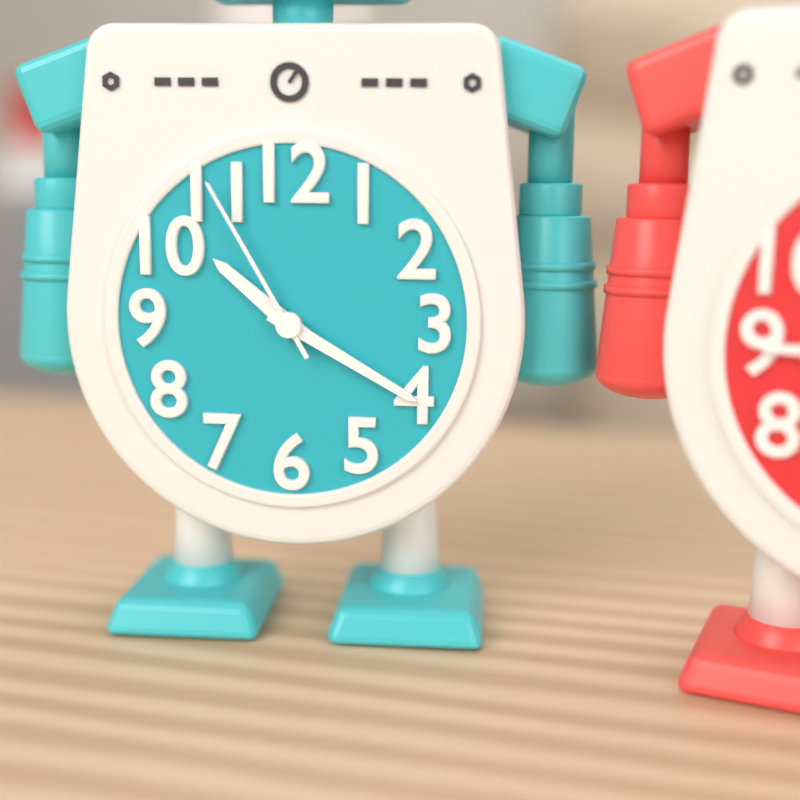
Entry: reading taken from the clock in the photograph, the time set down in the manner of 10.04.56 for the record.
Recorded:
10.20.55
